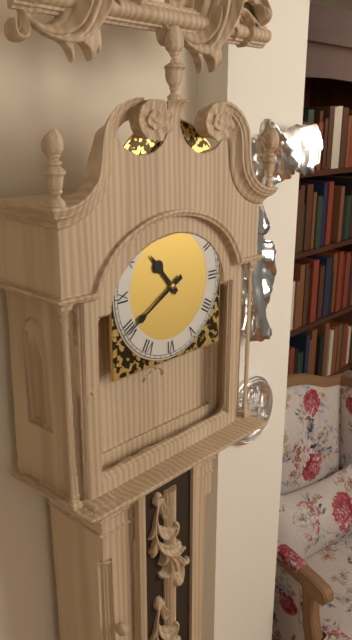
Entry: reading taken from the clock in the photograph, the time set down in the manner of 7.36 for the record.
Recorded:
10.40
